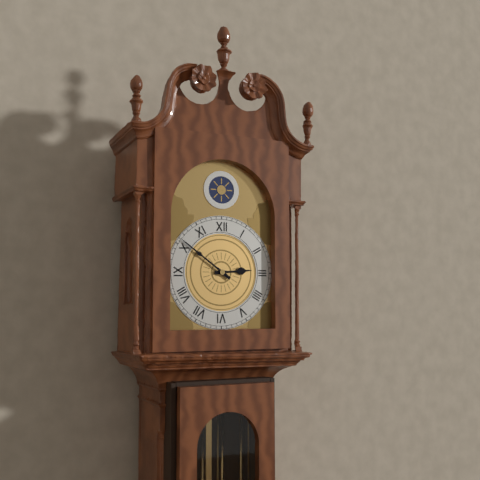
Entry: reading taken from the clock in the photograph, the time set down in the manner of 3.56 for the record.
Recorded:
2.51
